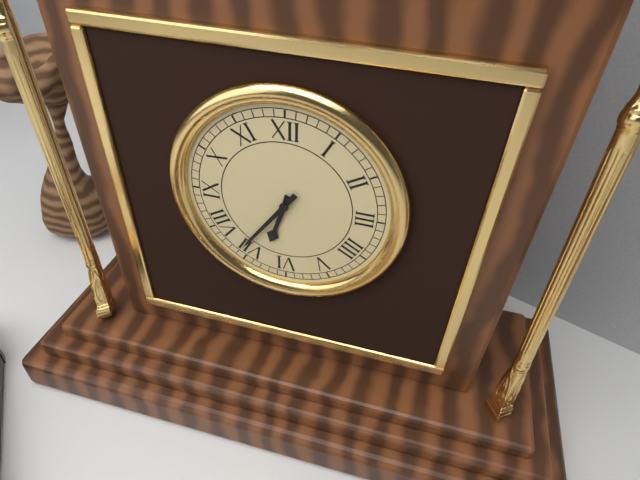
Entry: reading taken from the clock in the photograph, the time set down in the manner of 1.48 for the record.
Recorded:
6.36
